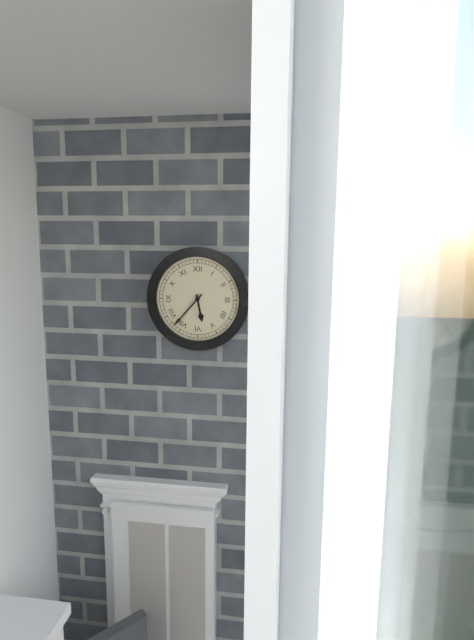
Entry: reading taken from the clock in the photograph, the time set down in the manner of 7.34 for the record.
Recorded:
5.37
